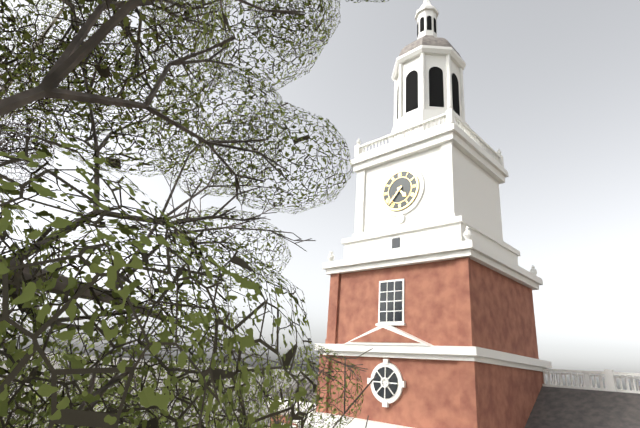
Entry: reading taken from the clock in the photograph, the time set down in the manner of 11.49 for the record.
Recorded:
4.37
